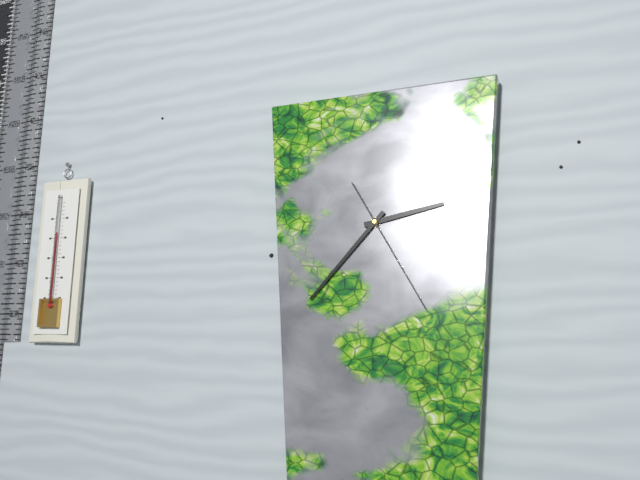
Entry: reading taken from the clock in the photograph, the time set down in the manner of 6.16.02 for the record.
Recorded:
2.37.25
